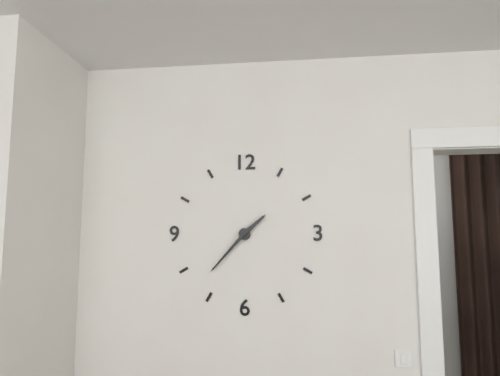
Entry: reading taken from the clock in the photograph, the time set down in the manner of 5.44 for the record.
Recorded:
1.37
